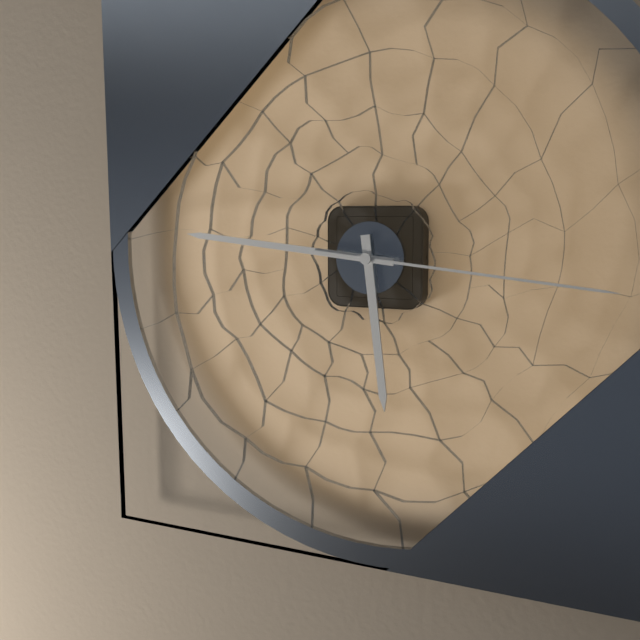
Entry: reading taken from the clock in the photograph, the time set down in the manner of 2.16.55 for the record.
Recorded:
5.46.16
